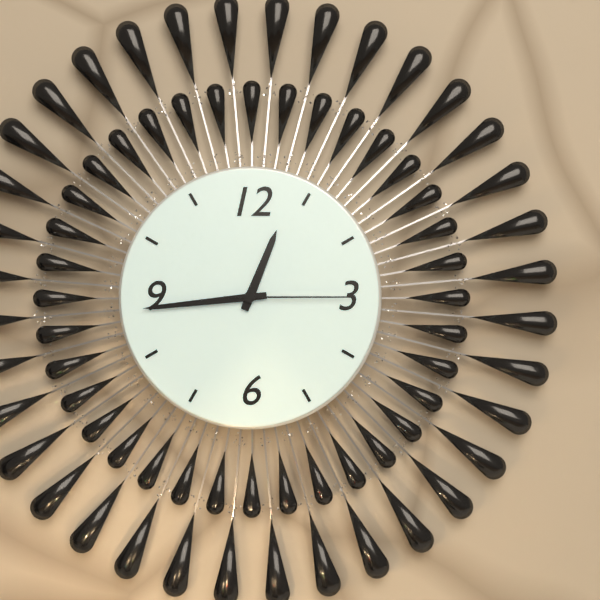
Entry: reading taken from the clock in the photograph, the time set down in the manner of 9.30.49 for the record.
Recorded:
12.44.15
